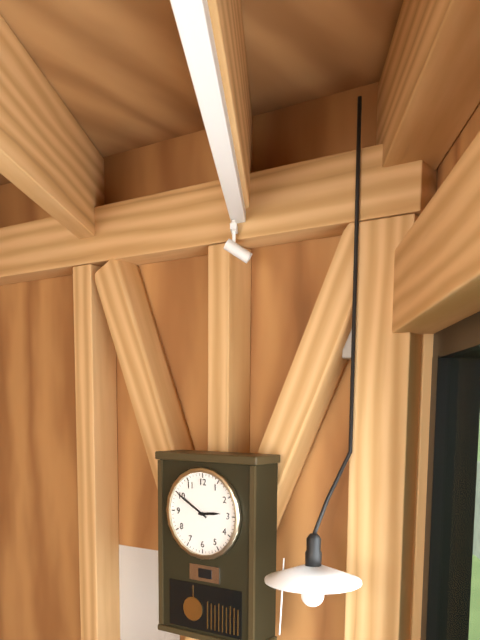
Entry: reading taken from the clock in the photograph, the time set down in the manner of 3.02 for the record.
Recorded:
2.50
